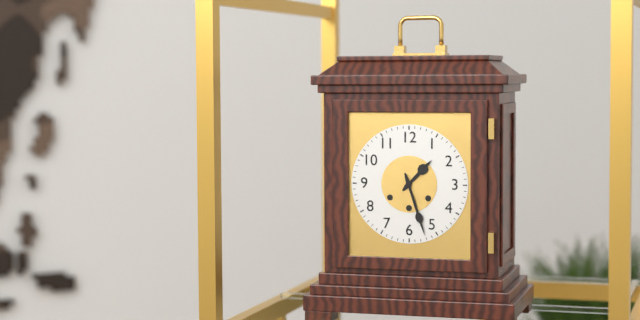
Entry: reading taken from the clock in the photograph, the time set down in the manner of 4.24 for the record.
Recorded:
1.27
